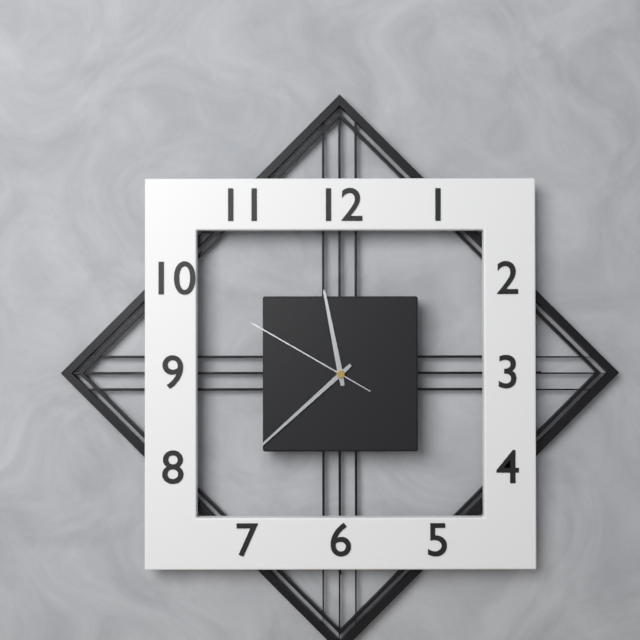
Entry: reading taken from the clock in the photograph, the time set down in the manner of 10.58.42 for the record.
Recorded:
11.38.50
